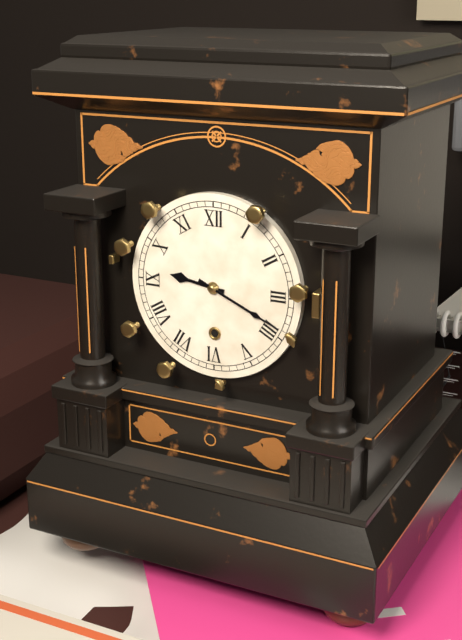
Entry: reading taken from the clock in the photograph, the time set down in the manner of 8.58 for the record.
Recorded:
9.19
